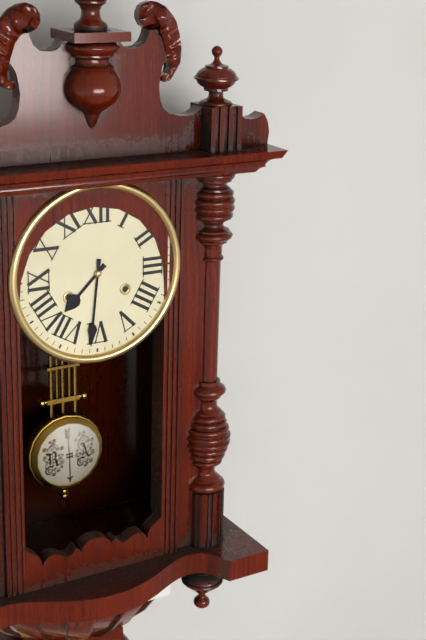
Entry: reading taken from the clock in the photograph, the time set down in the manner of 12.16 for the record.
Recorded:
7.31
